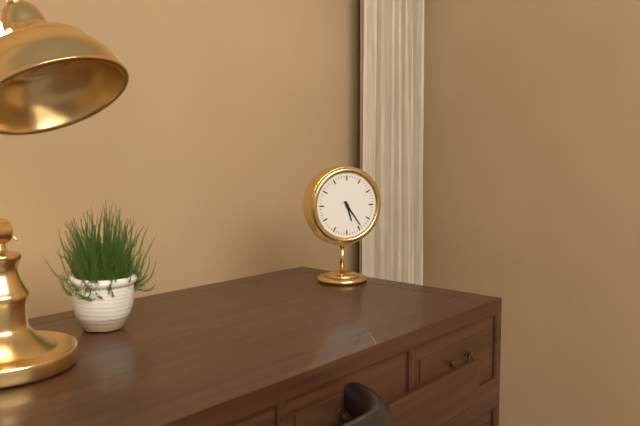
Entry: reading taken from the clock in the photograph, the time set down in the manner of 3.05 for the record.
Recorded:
5.24
